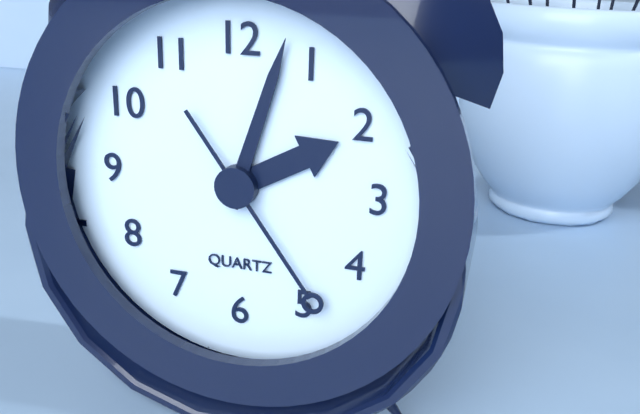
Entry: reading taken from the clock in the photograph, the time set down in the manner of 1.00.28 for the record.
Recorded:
2.03.24
